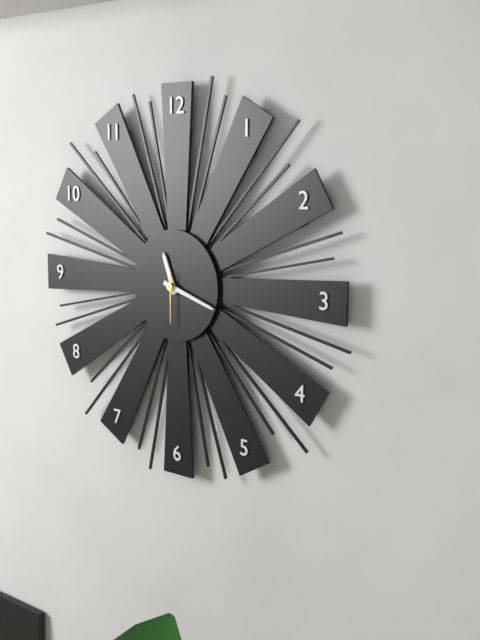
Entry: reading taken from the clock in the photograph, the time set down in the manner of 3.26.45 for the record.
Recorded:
11.18.30
